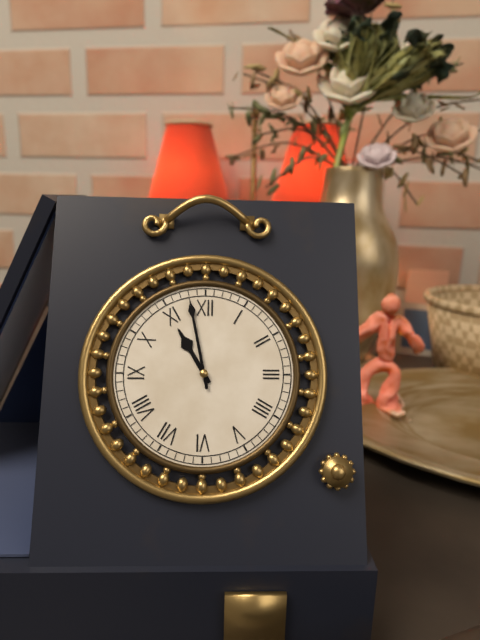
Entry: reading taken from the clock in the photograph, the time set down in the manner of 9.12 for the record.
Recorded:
10.58
